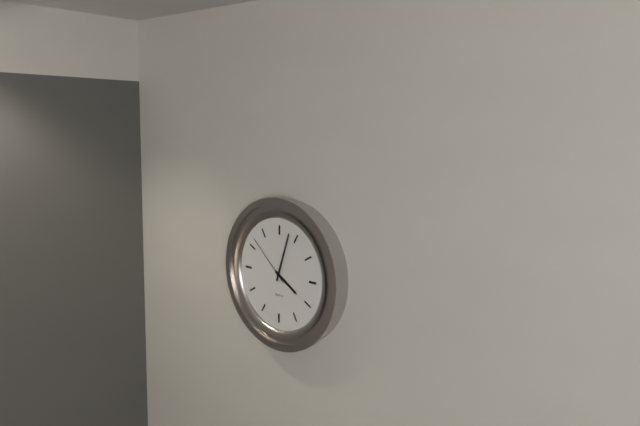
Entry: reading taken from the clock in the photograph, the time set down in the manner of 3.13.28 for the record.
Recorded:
4.03.52
